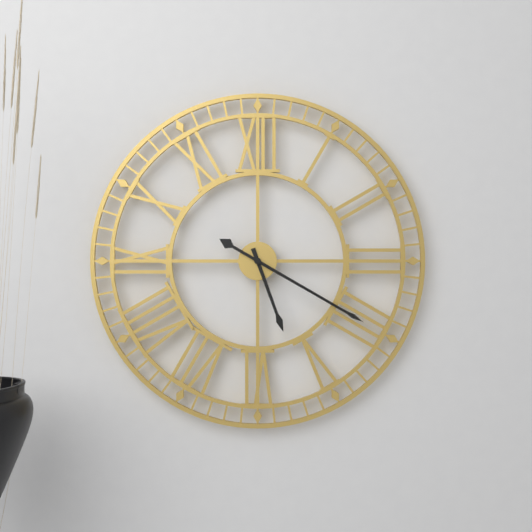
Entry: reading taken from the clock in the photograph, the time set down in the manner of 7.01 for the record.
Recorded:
5.20
